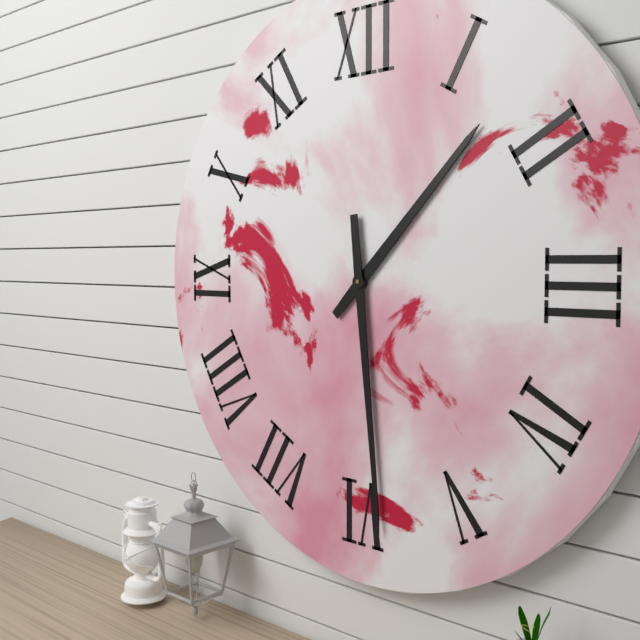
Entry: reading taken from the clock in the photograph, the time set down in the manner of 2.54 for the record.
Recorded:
1.29
